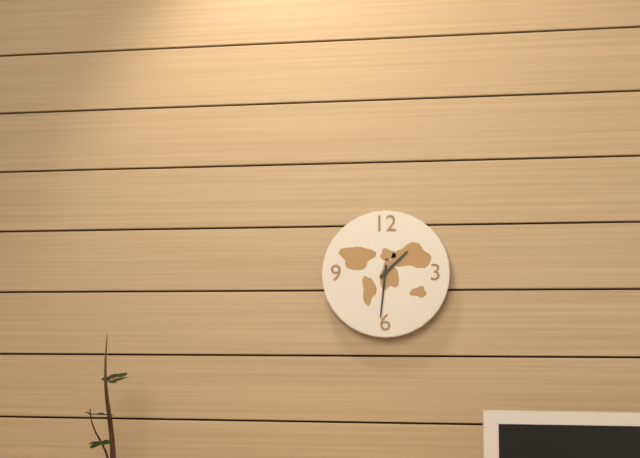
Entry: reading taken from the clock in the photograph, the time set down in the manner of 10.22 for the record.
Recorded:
1.31
